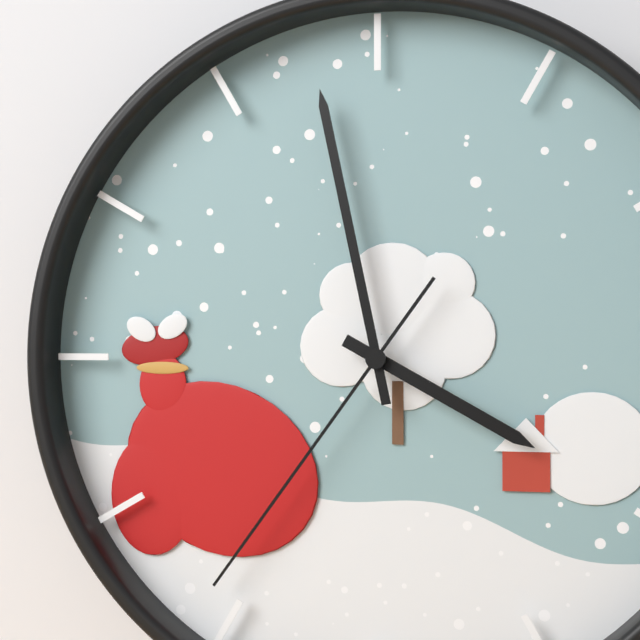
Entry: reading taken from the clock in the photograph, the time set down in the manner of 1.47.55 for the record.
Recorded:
3.58.36
